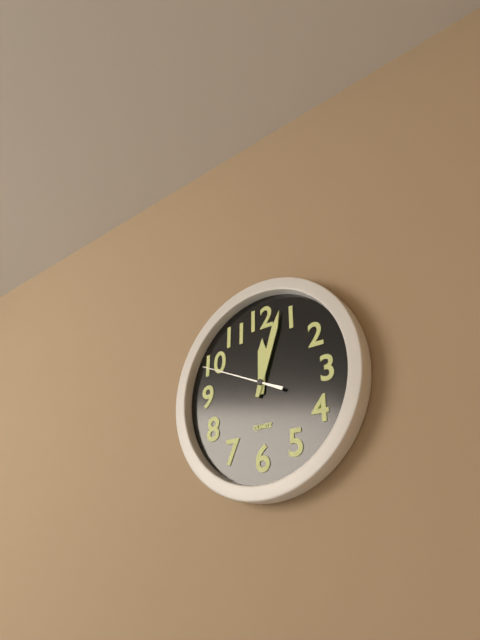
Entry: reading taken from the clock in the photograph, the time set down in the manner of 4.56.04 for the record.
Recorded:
12.03.49
